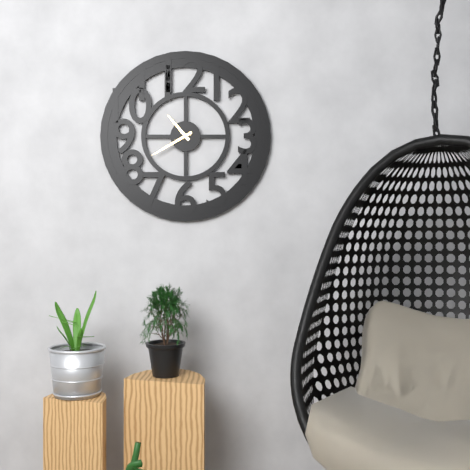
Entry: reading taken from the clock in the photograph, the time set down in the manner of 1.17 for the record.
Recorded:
10.40
